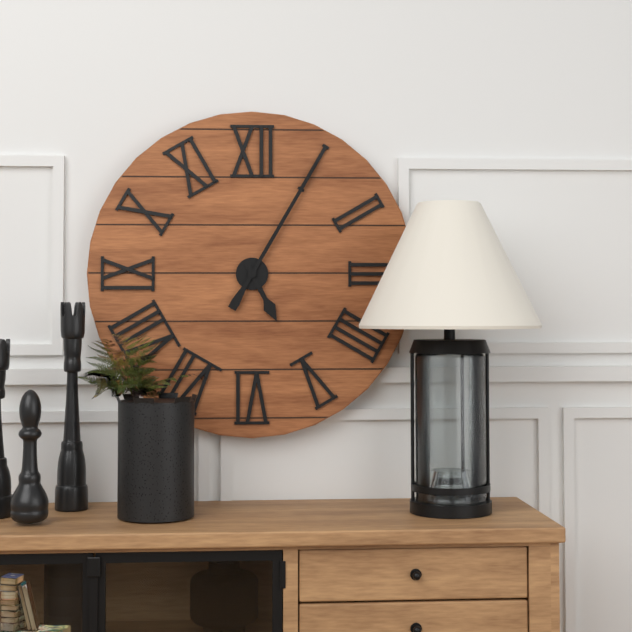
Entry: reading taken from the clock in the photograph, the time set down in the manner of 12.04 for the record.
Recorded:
5.05
